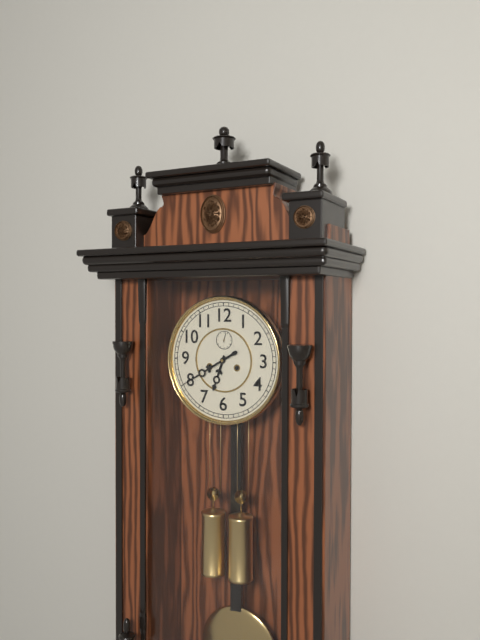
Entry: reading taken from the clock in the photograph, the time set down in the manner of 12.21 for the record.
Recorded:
6.40
